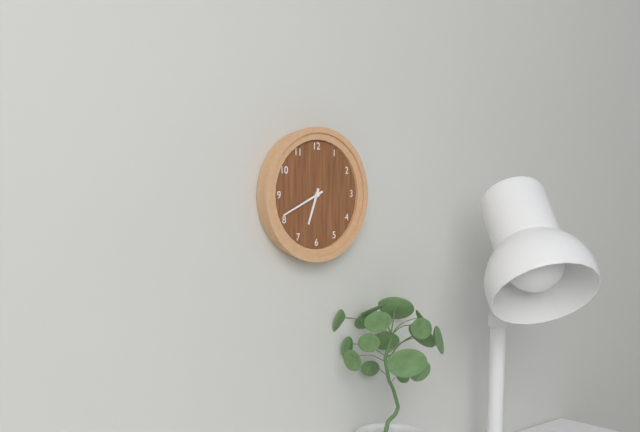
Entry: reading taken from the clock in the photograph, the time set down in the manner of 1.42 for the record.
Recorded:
6.41
